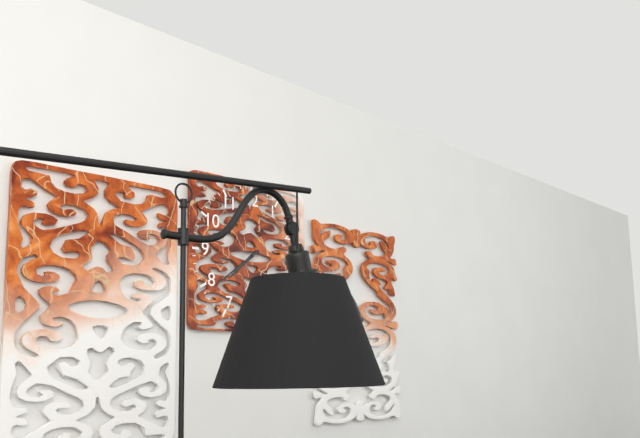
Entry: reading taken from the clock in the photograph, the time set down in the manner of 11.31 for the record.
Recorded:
7.39
